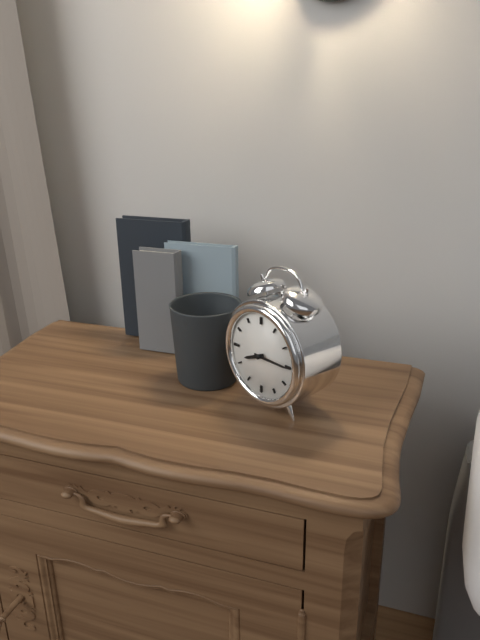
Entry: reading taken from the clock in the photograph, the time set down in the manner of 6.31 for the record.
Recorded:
8.15
